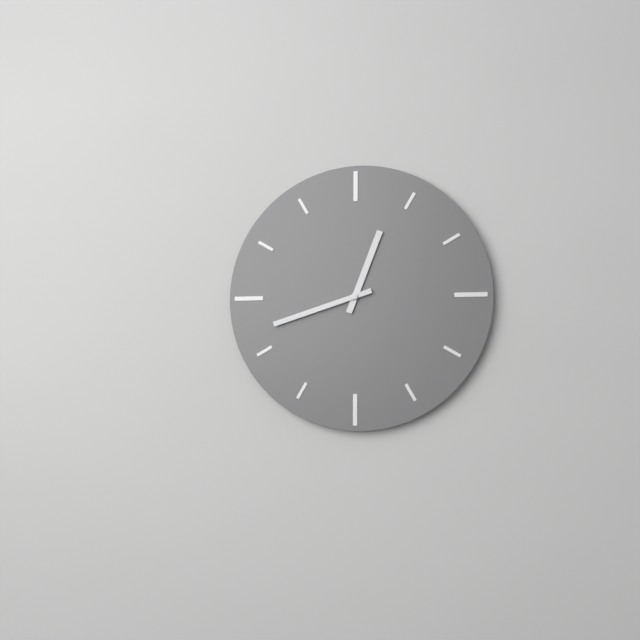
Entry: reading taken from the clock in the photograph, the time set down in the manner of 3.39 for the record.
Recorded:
12.42
